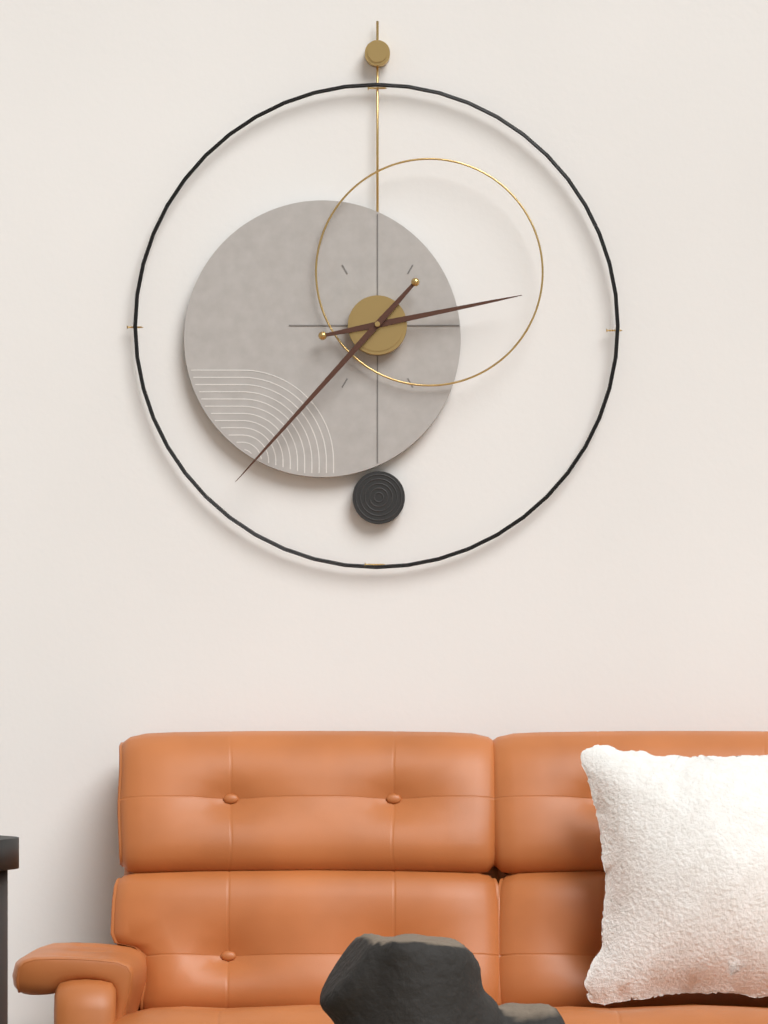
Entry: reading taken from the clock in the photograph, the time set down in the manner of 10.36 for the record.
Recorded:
2.37
